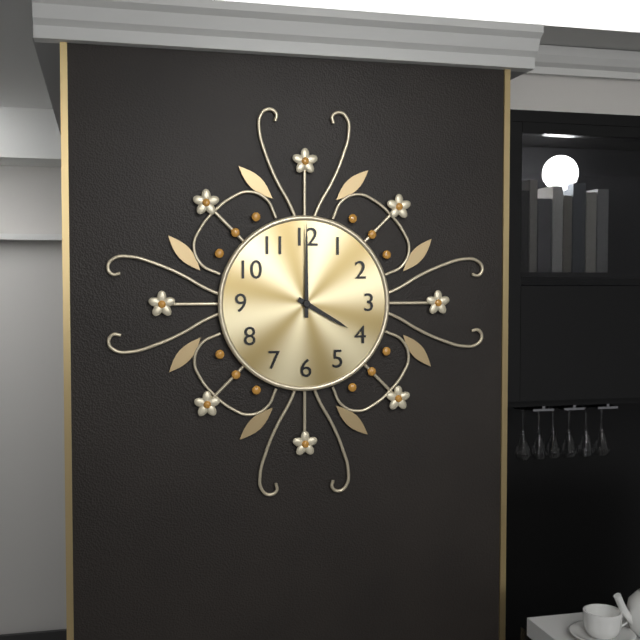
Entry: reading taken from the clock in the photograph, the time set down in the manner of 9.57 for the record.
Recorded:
4.00
